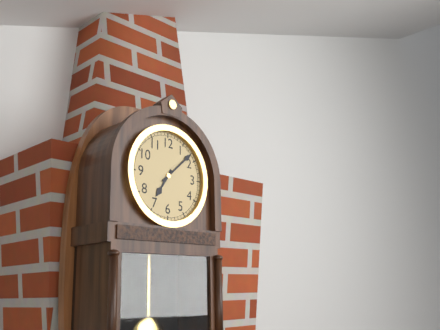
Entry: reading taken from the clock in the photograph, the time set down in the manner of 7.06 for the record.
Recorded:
7.08
